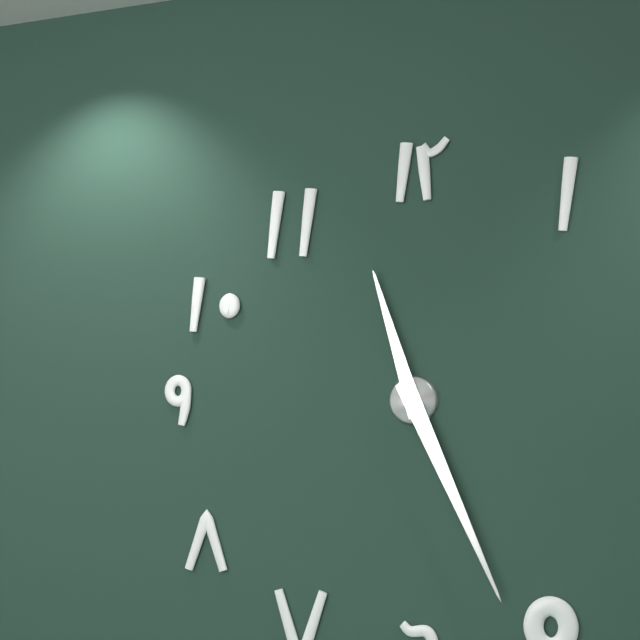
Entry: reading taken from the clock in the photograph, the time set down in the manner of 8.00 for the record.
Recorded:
11.26
